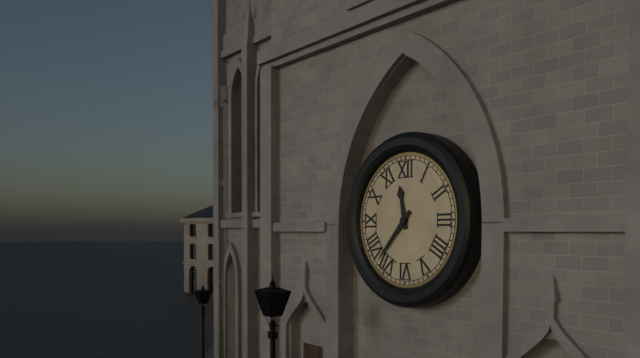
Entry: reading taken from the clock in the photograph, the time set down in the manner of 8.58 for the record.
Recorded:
11.37
